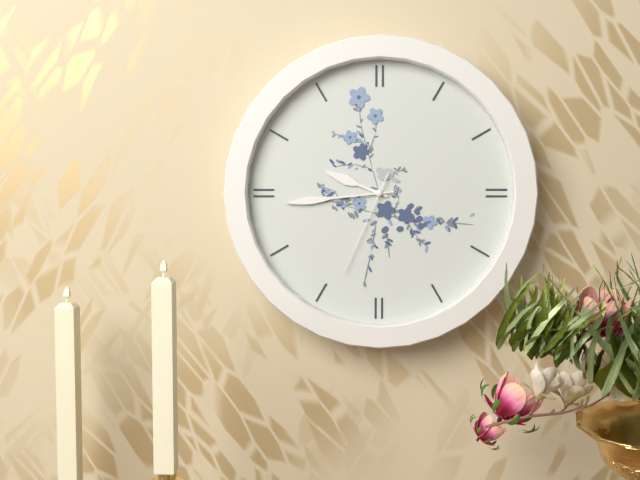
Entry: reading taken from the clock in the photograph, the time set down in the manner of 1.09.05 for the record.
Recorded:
9.44.34
